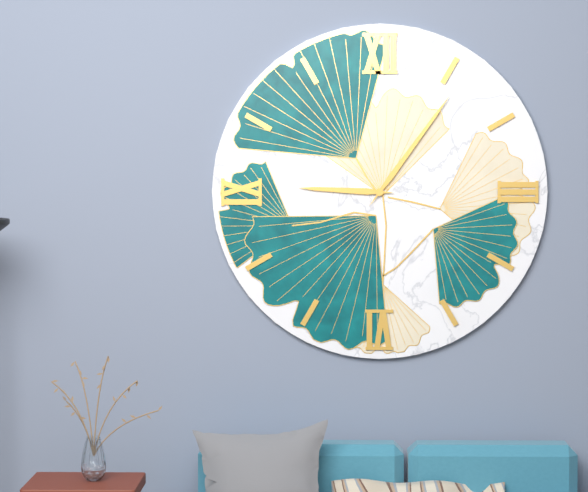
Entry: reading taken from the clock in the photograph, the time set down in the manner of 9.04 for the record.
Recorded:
9.06
